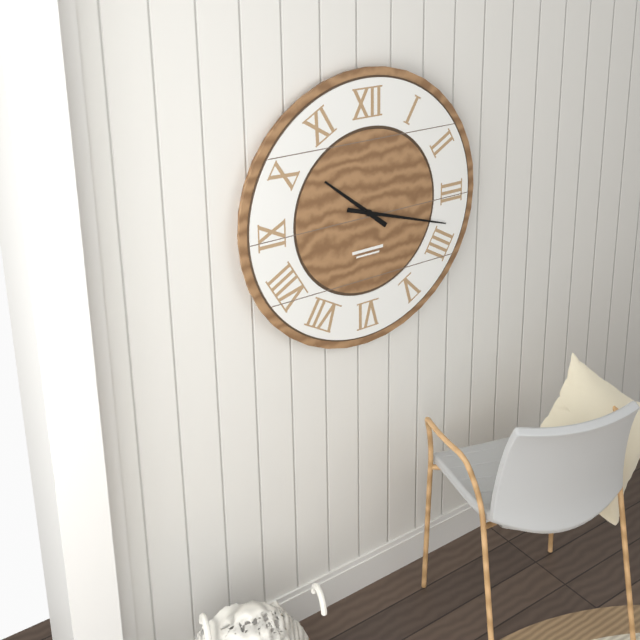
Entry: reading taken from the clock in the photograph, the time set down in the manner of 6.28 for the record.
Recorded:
10.18
